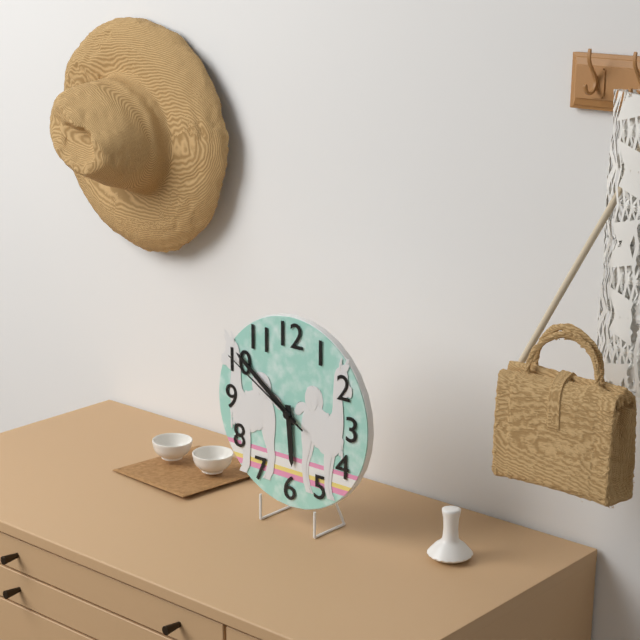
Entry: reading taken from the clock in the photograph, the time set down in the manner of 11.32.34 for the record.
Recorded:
5.51.50
